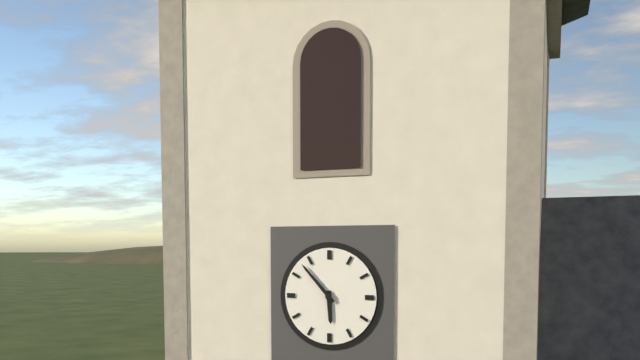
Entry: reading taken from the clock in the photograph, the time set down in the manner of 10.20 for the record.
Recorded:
5.53
